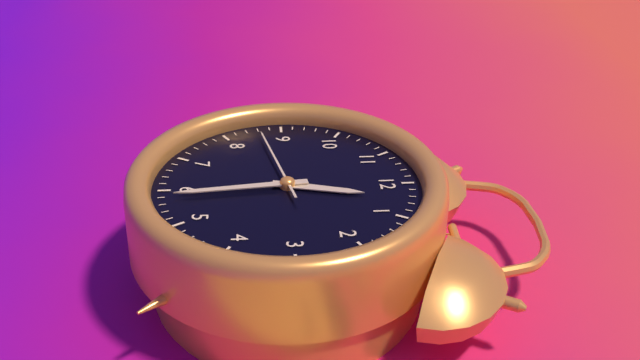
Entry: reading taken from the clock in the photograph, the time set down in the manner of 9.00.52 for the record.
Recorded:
12.29.43
